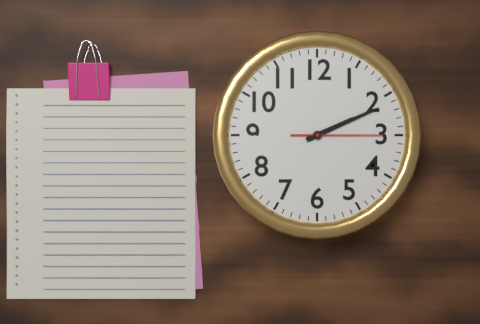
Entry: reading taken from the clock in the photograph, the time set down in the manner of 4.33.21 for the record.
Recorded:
2.11.15
